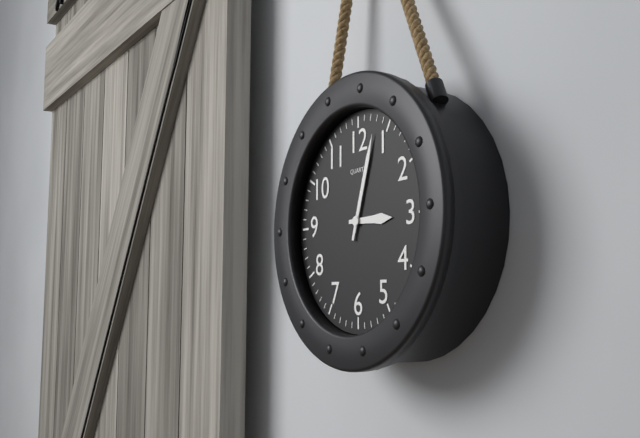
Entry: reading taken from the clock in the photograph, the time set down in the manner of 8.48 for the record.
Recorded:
3.03
